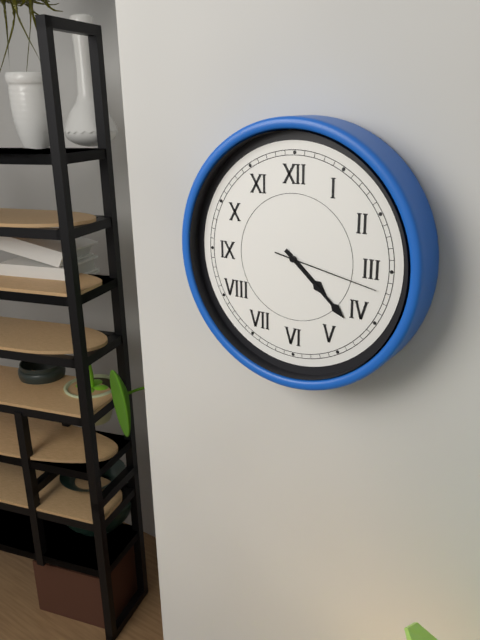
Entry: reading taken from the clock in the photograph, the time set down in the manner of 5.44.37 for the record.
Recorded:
4.22.17
